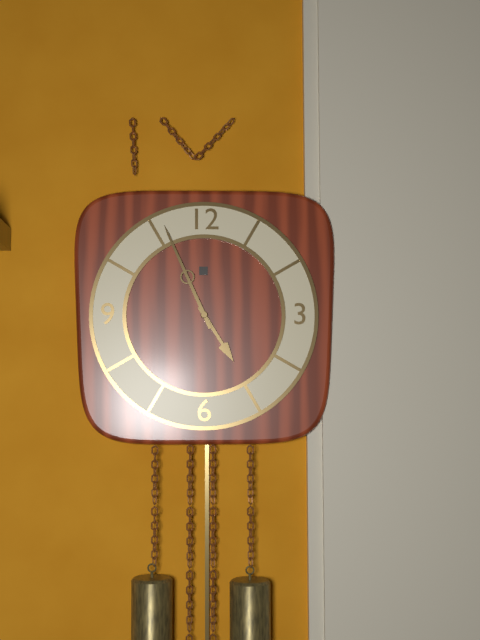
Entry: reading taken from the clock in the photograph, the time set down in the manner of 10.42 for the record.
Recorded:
4.56
